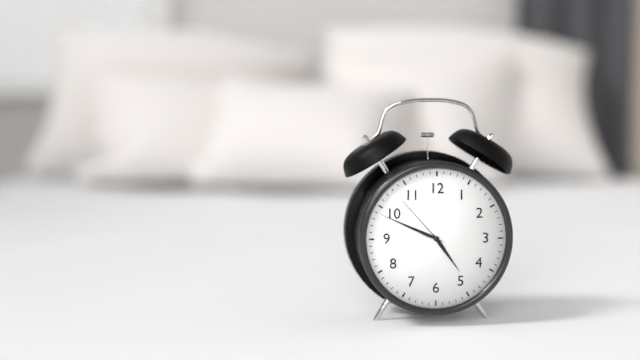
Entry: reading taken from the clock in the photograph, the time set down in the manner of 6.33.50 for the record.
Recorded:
4.49.53
